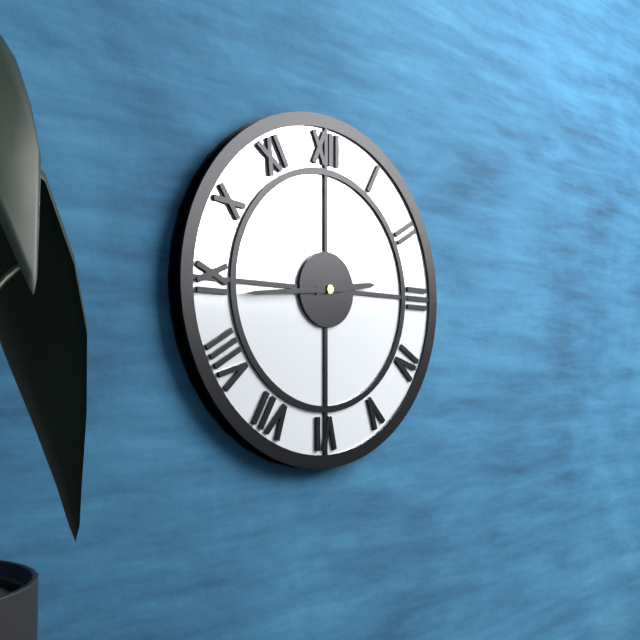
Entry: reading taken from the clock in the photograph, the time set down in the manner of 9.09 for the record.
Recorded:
2.44
